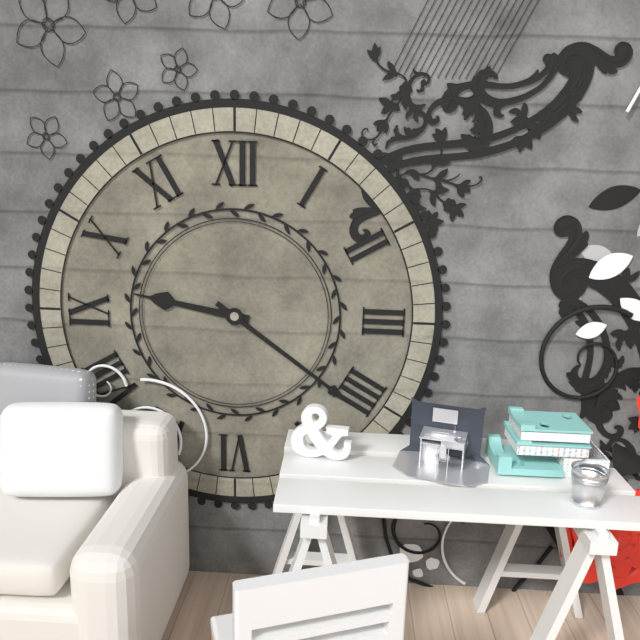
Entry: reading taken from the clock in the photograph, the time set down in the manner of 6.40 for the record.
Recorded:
9.21
